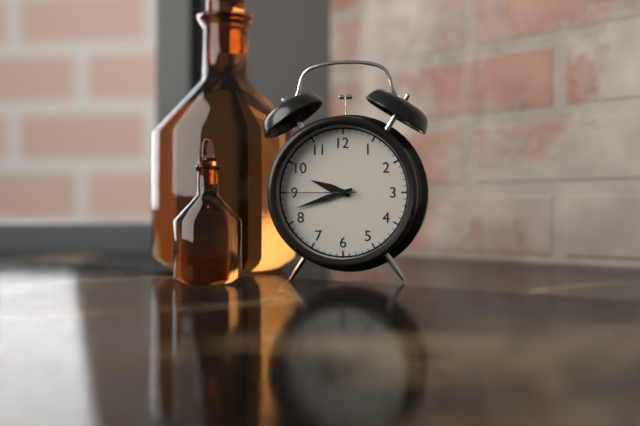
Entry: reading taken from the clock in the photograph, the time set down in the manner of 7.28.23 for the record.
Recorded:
9.42.45
